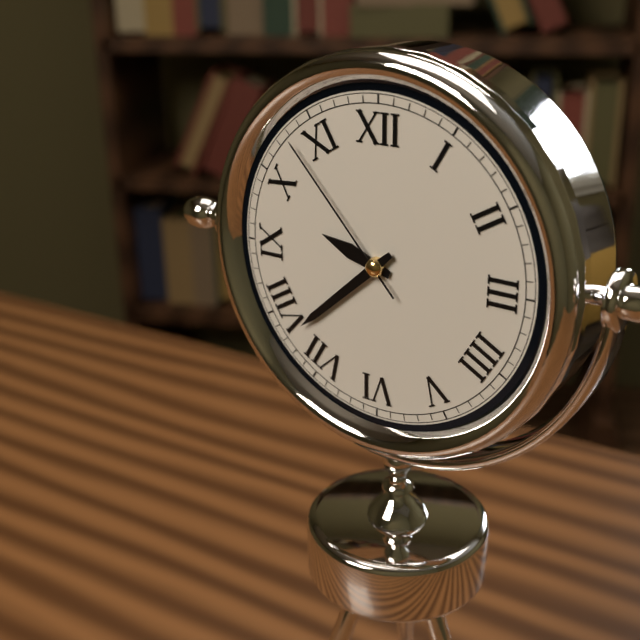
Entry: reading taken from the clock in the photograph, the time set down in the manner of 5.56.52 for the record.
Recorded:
9.38.53
